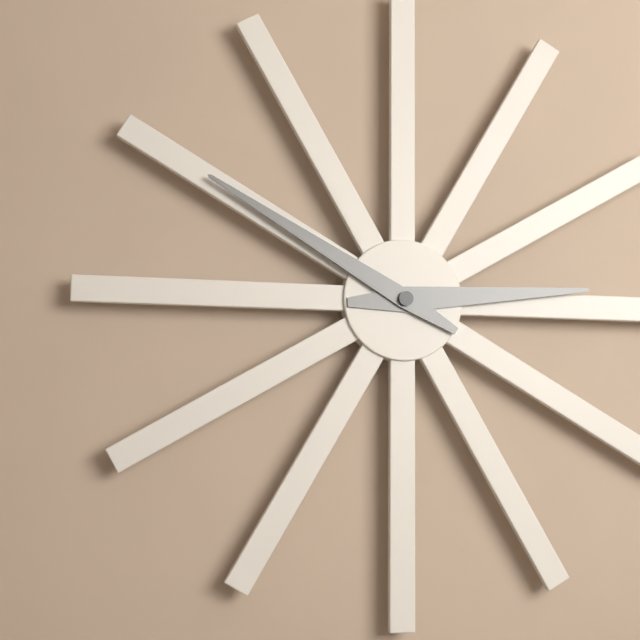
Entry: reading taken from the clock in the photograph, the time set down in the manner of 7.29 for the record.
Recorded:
2.50
